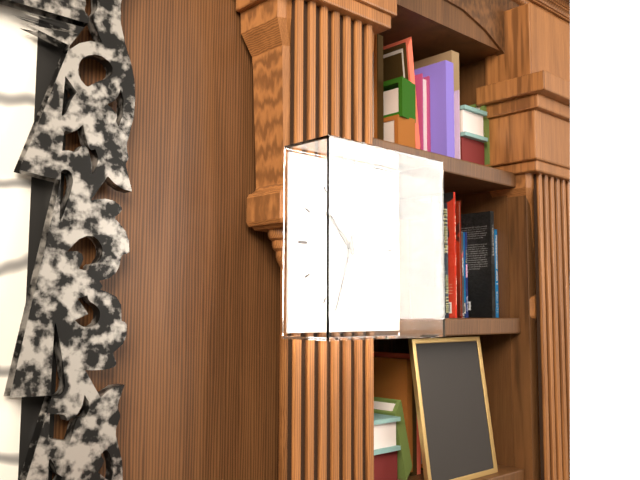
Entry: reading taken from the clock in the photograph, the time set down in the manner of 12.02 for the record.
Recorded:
10.33
